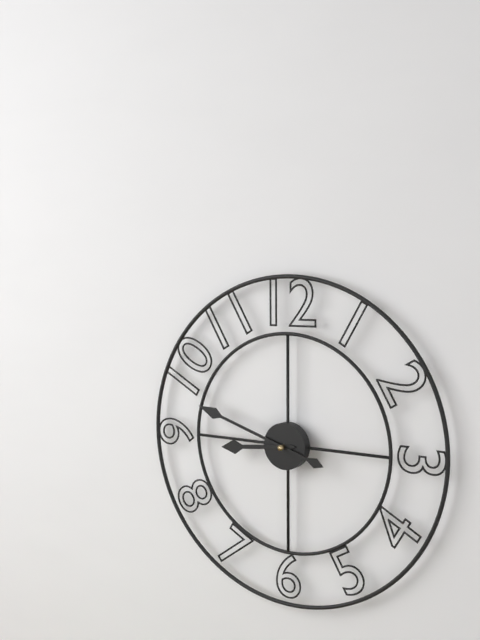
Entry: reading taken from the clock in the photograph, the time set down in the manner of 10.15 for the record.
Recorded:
8.48
